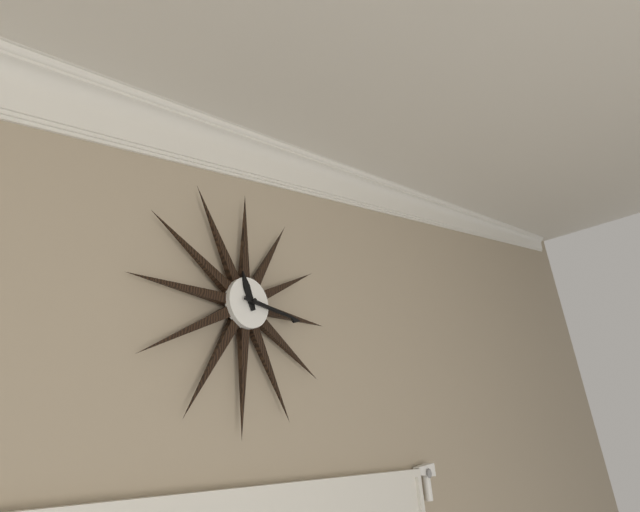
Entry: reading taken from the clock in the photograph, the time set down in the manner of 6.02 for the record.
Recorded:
11.16
